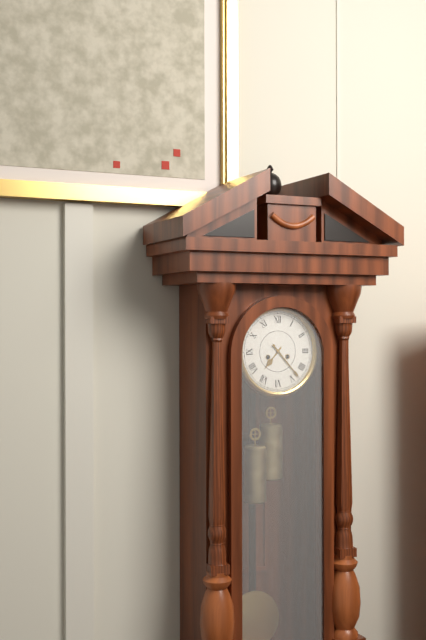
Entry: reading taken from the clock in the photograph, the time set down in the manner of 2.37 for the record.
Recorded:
7.23
